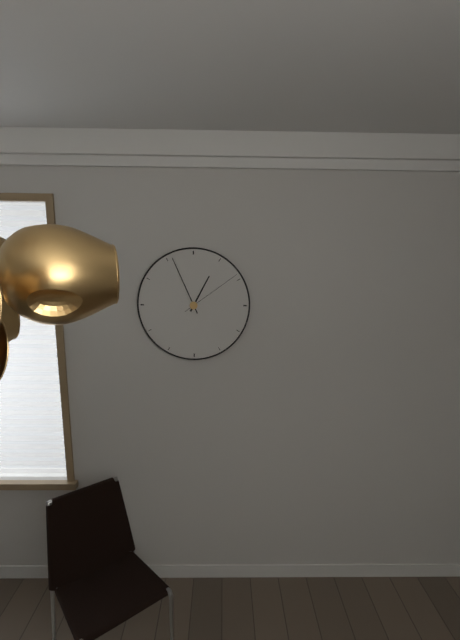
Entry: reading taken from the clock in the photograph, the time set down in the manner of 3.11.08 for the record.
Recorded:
12.56.09
